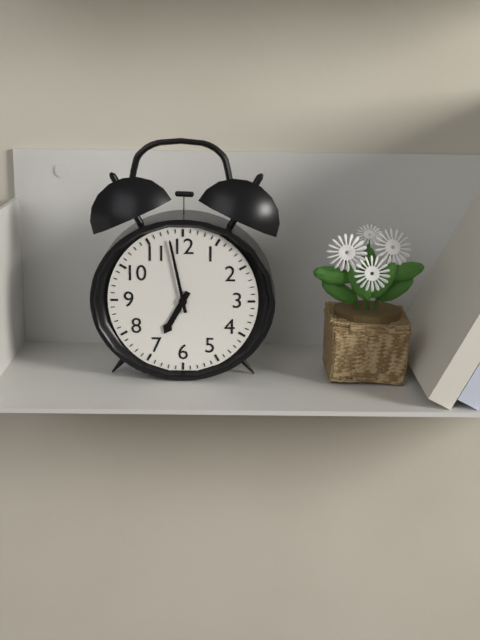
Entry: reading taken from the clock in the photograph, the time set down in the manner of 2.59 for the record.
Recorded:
6.58
